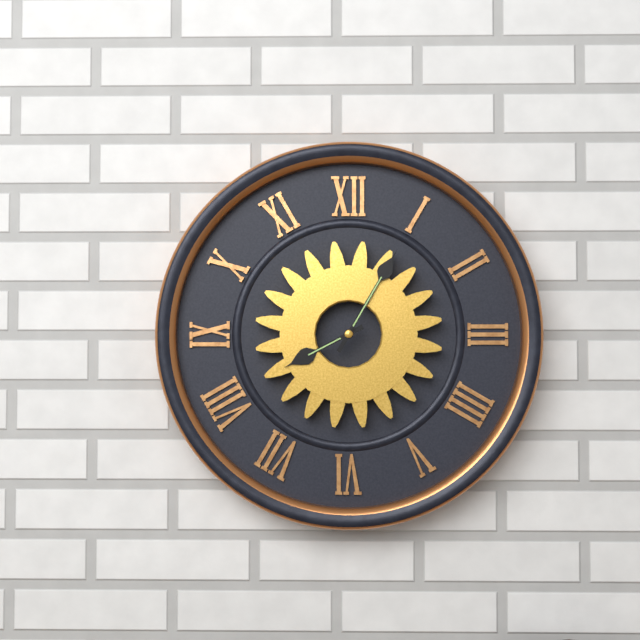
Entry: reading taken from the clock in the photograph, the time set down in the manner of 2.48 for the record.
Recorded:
8.05
